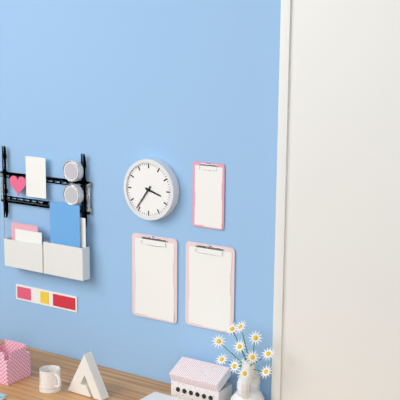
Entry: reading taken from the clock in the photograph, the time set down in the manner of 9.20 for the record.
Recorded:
3.36
